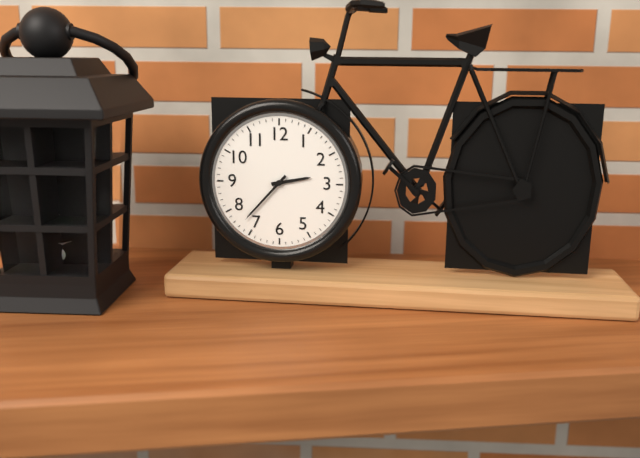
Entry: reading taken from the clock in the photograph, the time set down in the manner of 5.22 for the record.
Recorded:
2.37
